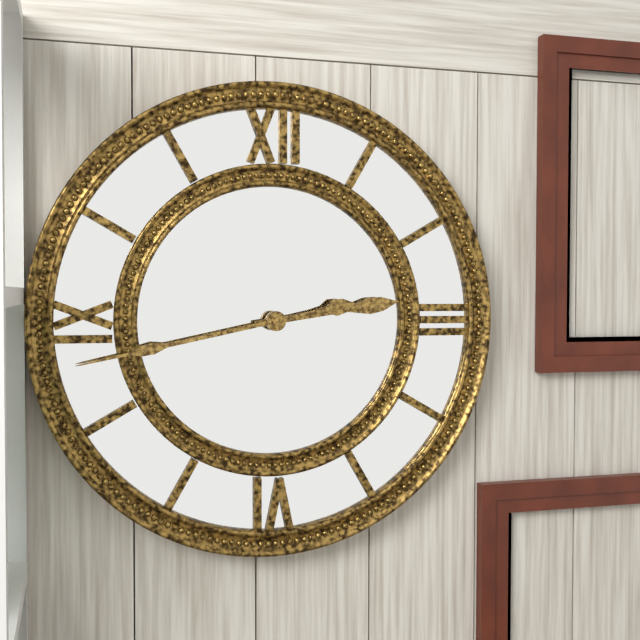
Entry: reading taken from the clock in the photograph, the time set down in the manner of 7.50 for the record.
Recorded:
2.43
